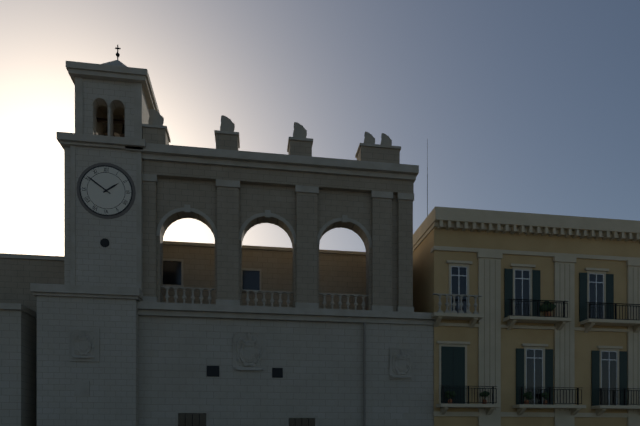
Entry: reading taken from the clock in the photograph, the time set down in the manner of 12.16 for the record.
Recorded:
1.51
